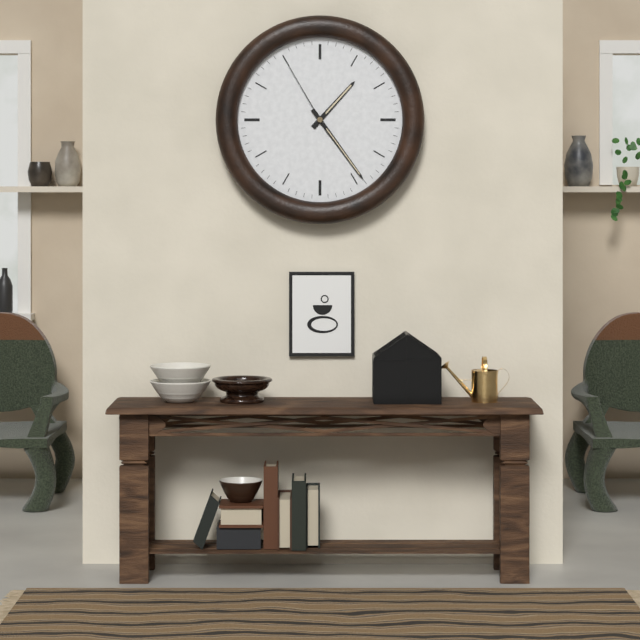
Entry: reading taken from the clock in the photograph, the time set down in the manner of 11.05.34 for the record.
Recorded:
1.24.55
